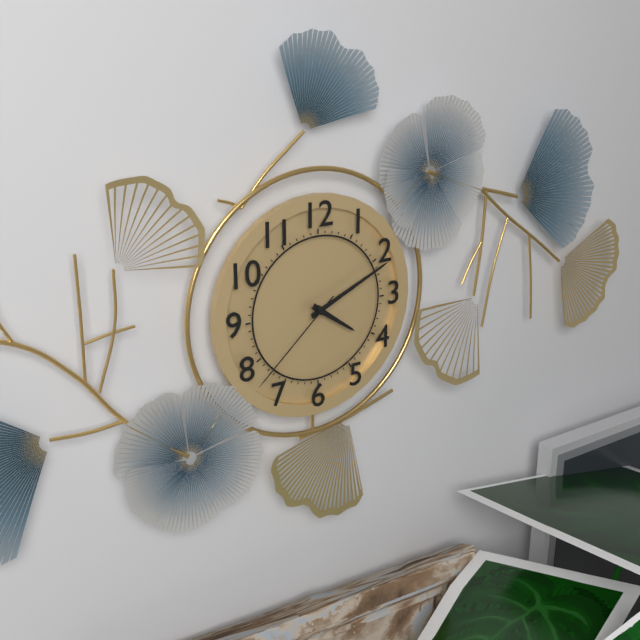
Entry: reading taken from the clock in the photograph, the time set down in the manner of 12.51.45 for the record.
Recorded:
4.11.38
